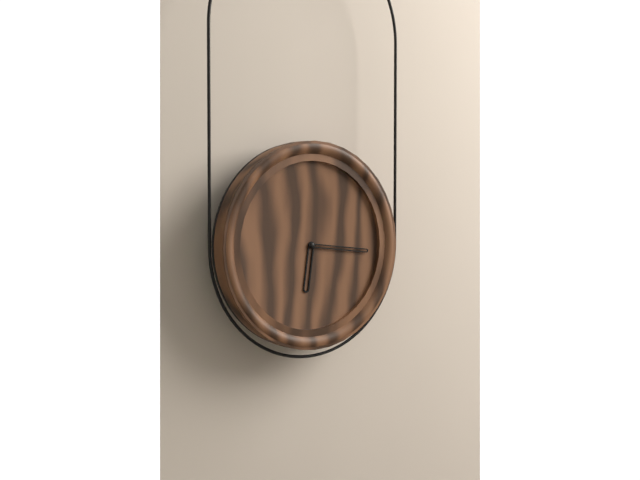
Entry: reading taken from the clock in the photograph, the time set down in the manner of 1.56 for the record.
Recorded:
6.16
